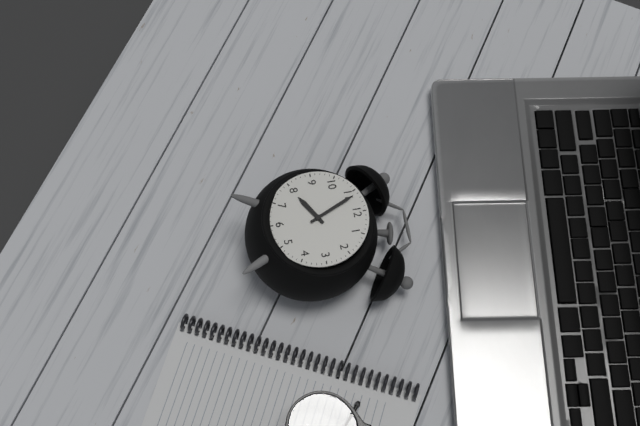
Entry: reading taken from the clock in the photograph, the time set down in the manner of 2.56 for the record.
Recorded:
7.56
